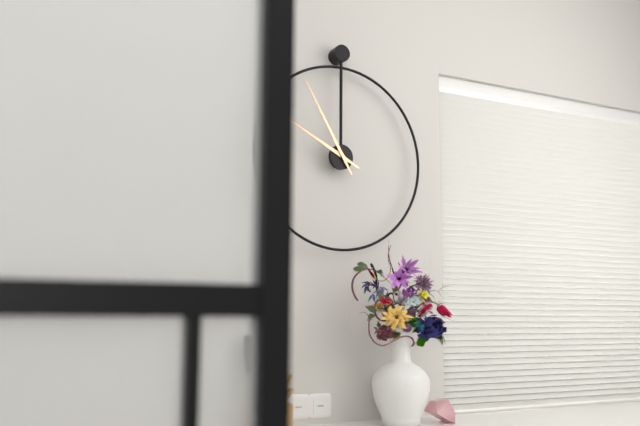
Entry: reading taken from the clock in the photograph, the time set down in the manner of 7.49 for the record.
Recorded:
9.55
